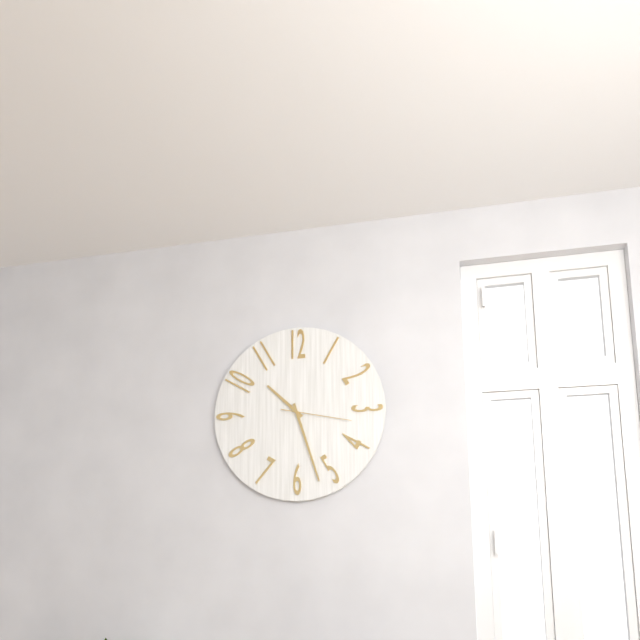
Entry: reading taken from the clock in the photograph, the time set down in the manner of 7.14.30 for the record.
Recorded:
10.27.17
